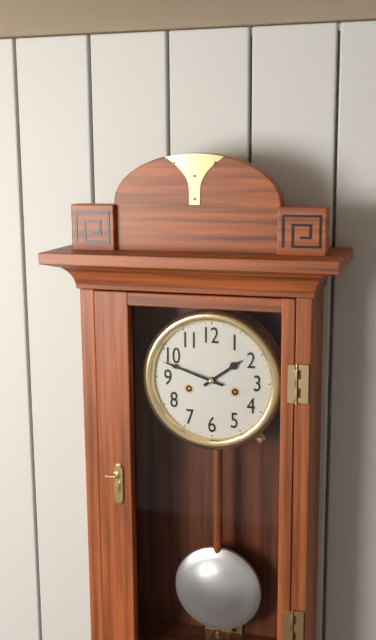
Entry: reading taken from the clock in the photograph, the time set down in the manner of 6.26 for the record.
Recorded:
1.48
